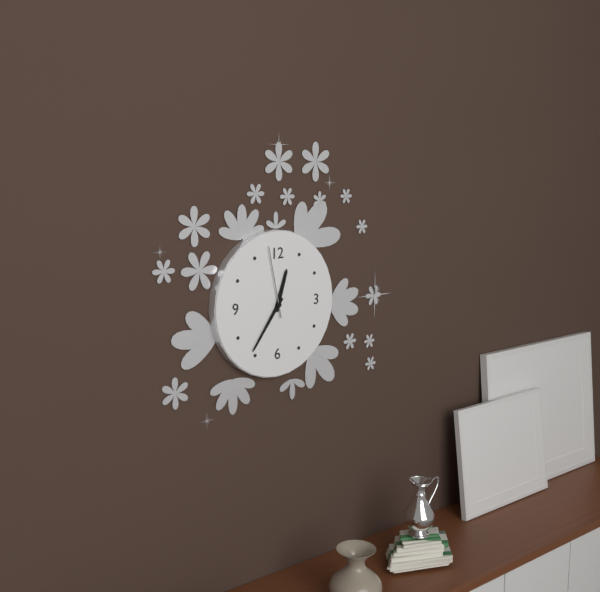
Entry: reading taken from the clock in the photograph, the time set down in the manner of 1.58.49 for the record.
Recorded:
12.36.58
